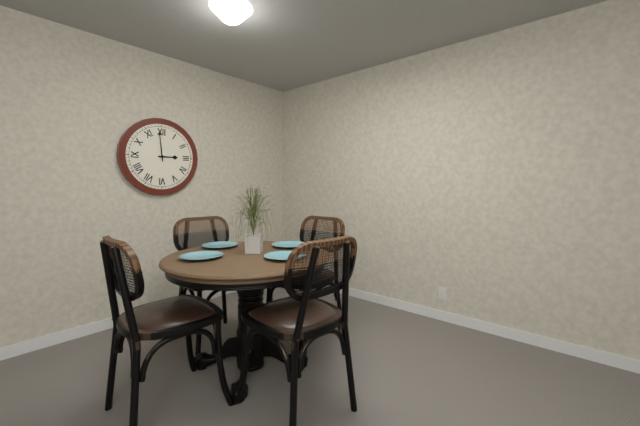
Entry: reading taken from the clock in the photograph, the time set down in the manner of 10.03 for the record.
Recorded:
2.59
